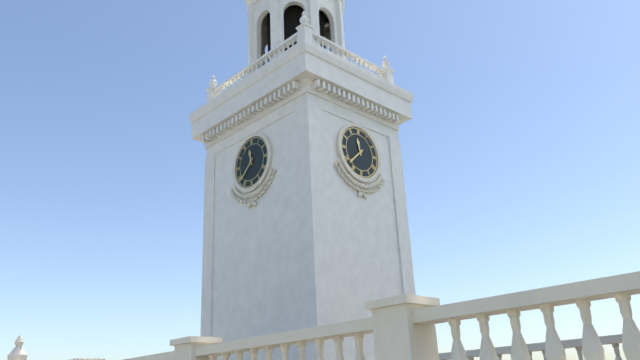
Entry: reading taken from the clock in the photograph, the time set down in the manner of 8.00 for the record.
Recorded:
11.38
